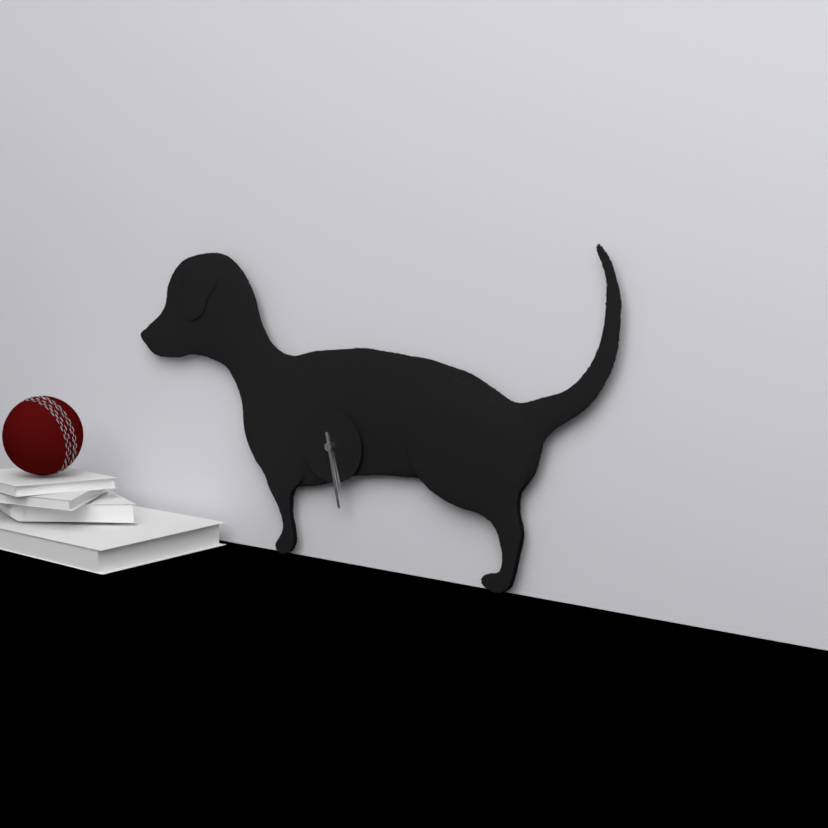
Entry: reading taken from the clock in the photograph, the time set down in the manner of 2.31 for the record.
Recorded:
5.28
